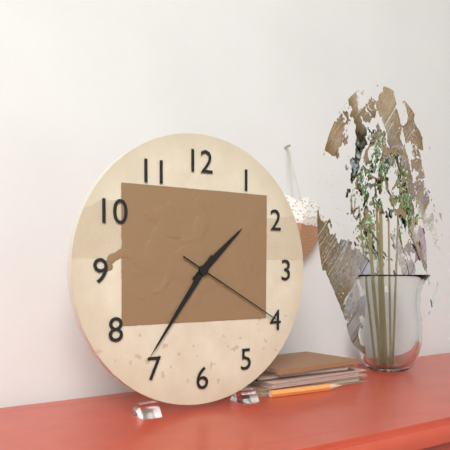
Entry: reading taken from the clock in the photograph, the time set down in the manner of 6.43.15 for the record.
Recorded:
1.36.20
